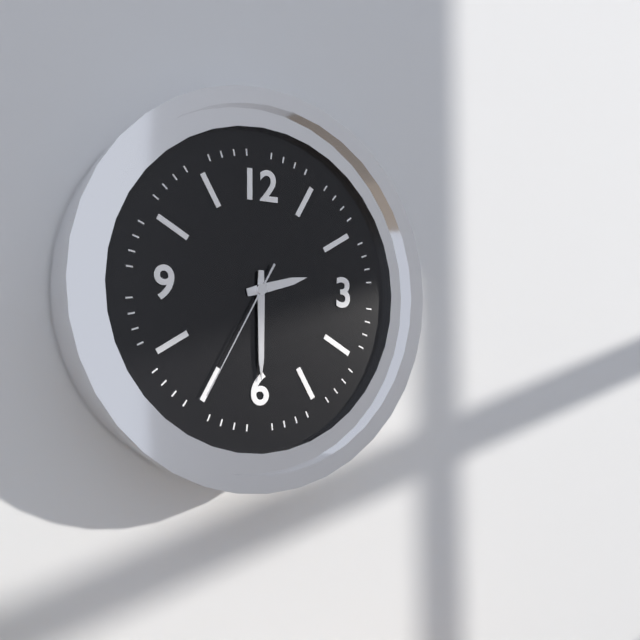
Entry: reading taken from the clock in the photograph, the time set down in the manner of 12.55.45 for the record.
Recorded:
2.30.35
